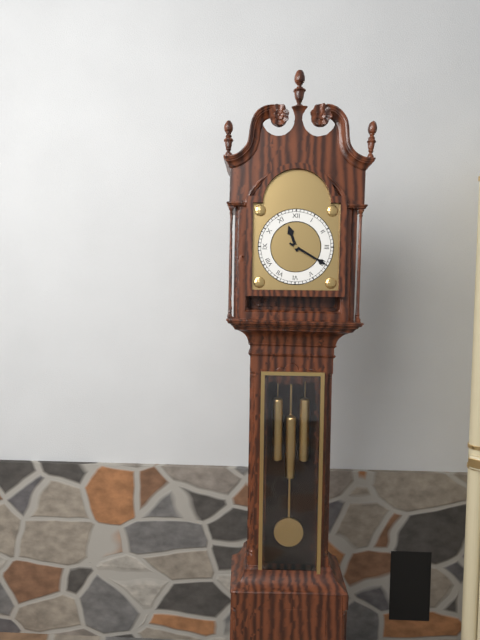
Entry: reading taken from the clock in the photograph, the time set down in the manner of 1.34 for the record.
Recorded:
11.20
